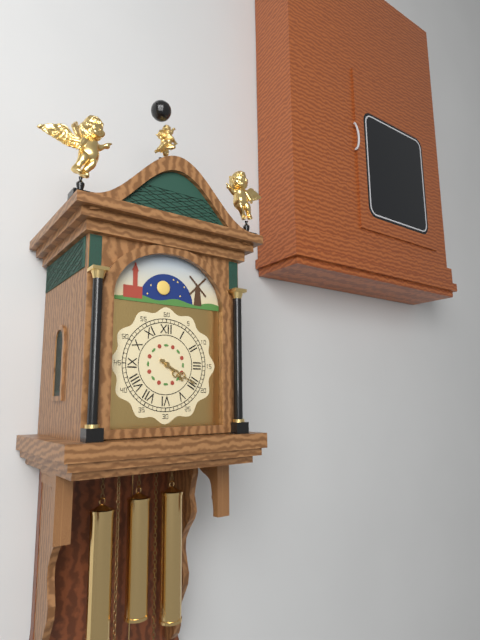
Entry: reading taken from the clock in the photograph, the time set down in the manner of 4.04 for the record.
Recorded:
4.20
